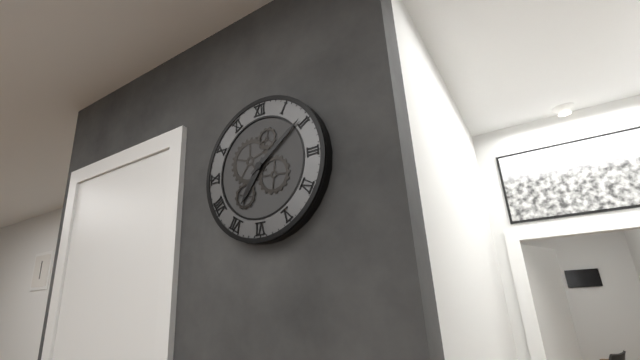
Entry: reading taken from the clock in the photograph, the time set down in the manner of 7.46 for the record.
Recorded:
7.09
